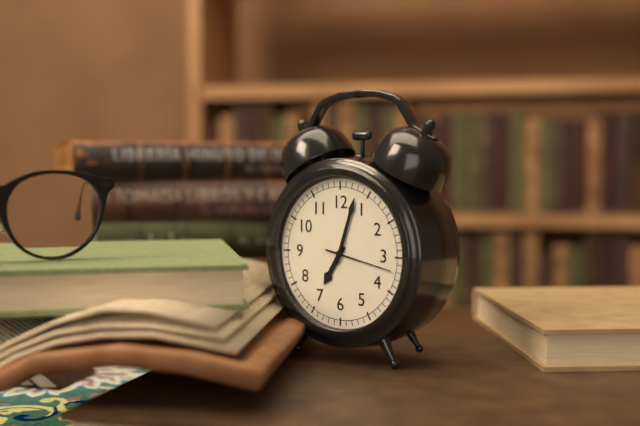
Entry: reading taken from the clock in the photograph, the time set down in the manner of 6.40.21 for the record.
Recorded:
7.03.17
